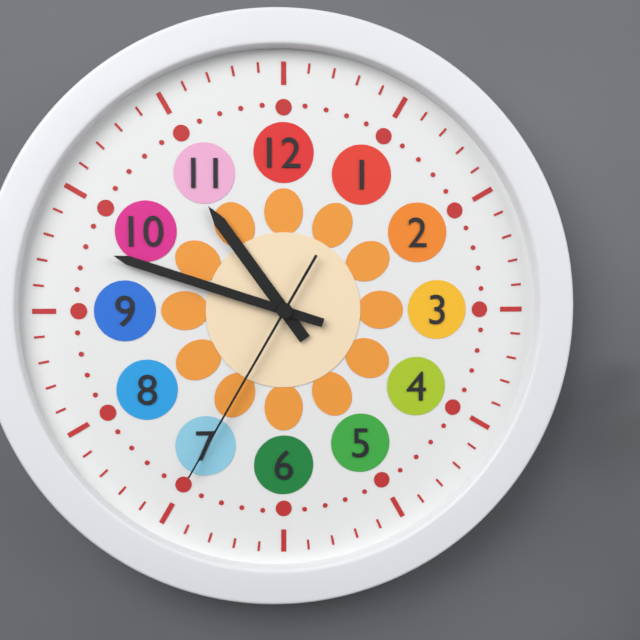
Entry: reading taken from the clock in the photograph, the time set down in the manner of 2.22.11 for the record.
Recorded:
10.48.35
